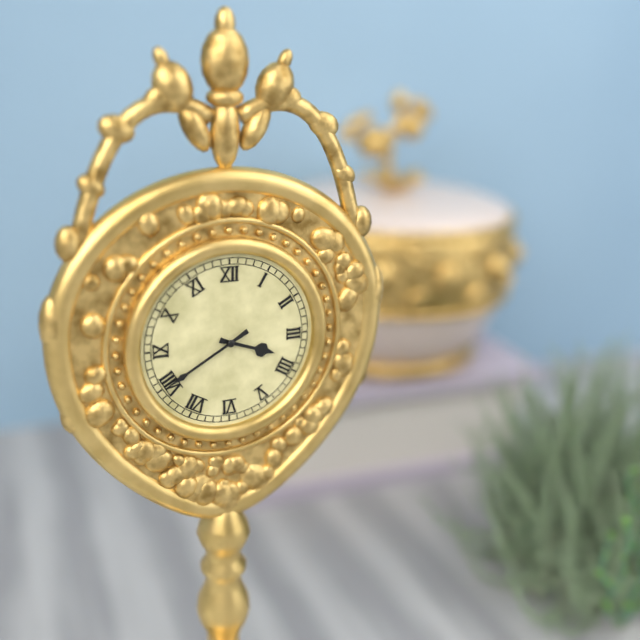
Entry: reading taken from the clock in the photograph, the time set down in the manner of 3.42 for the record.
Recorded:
3.40
